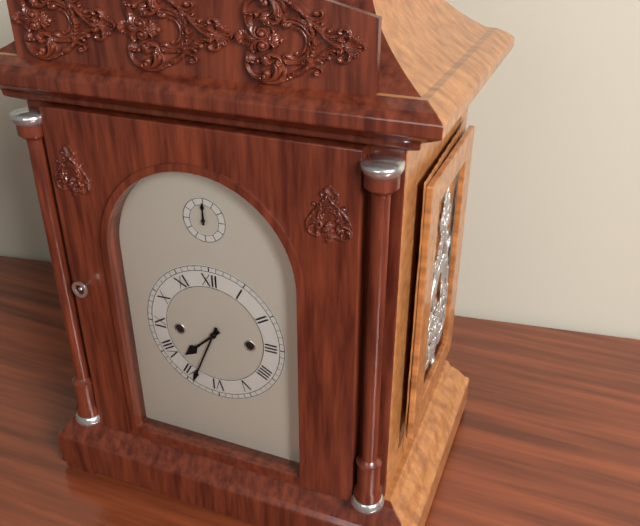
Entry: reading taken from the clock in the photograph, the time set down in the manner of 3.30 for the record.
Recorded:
7.34
